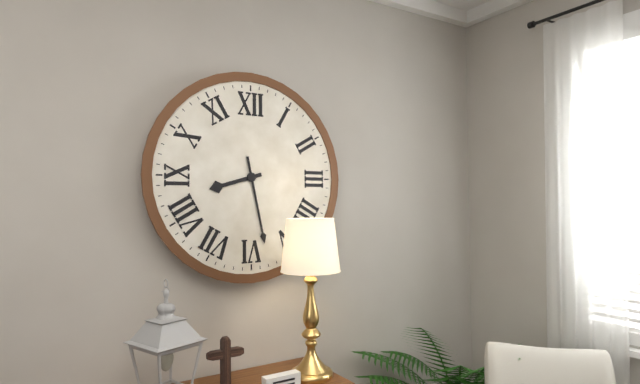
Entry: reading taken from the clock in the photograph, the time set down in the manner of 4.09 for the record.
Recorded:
8.28
